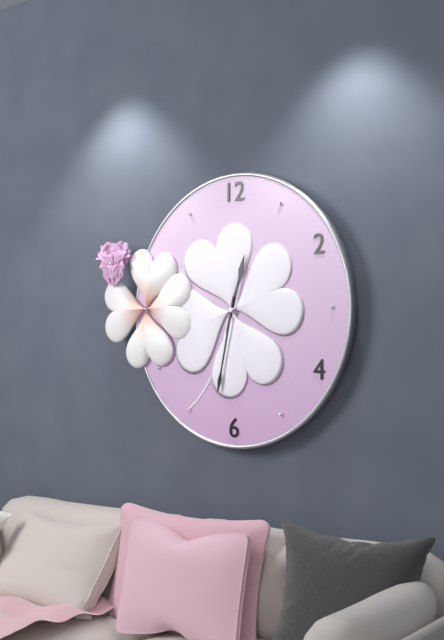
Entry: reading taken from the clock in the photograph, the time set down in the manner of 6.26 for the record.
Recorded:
12.32
